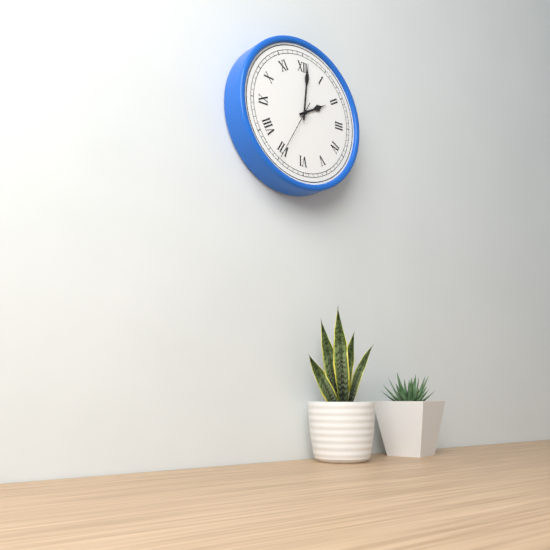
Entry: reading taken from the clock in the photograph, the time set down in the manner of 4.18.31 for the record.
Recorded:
2.01.35
